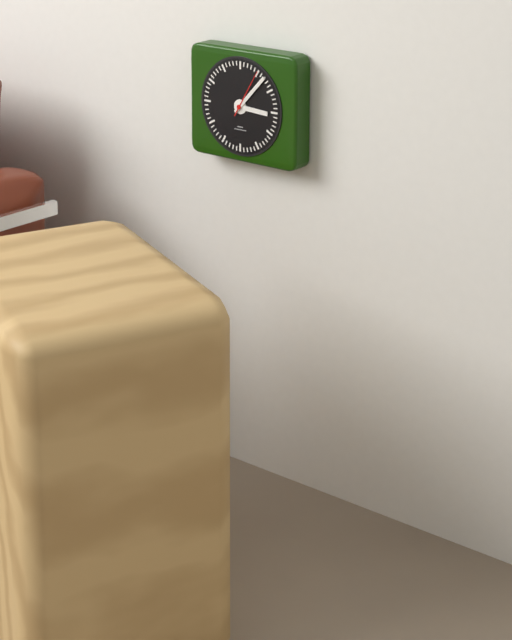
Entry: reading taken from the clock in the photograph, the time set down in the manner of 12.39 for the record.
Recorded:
3.07
